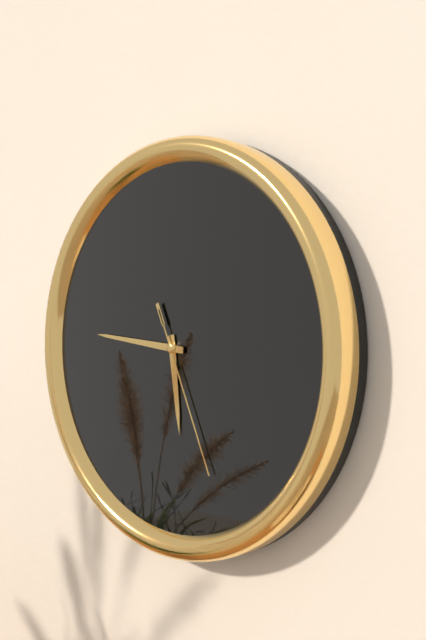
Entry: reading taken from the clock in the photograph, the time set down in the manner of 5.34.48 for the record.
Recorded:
5.46.26
